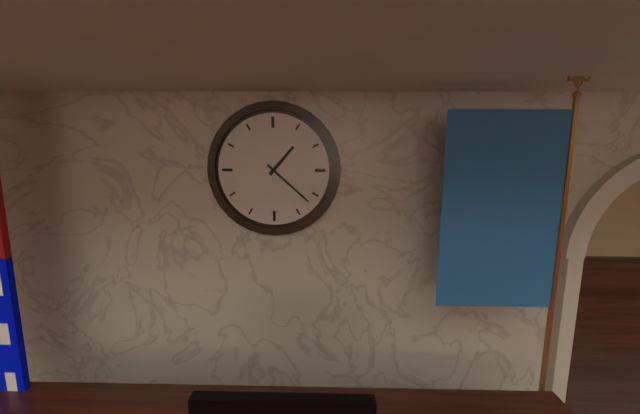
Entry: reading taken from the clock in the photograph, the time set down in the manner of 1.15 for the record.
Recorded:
1.22
